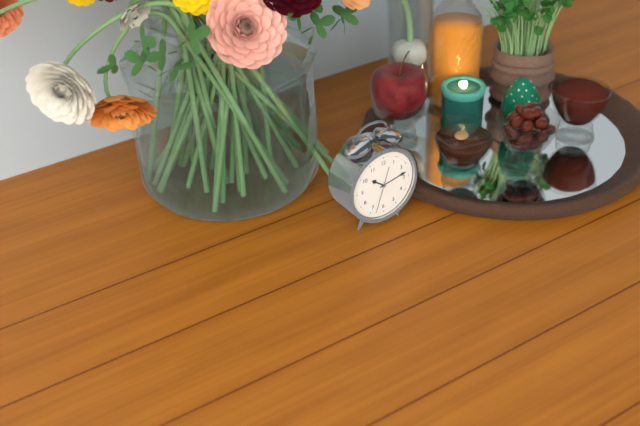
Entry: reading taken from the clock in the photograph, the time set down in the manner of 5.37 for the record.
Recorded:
10.13
